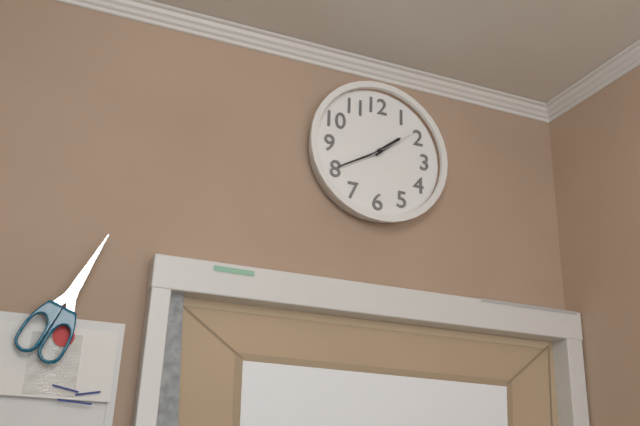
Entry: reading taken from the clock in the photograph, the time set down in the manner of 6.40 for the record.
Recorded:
1.40
